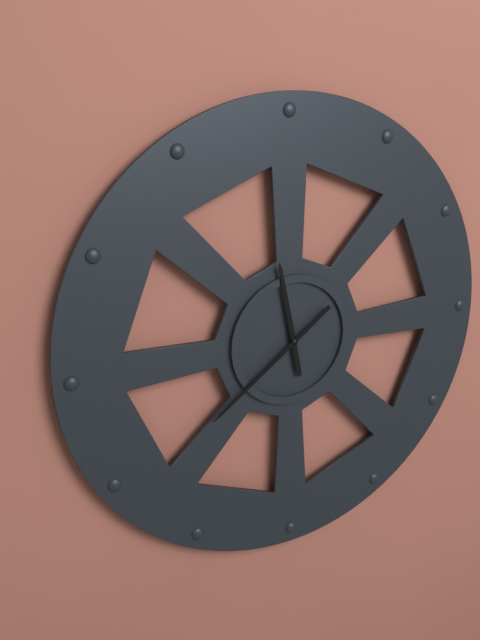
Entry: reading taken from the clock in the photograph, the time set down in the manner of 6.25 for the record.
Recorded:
11.39
